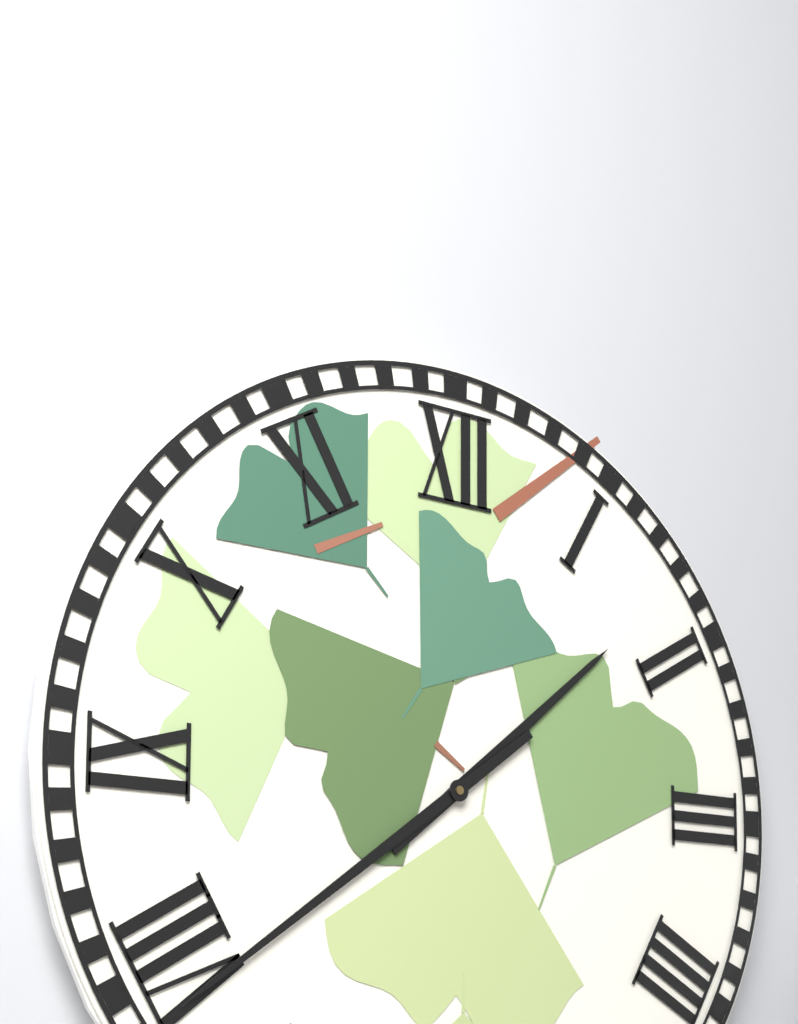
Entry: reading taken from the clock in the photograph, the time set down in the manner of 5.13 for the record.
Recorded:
1.39
